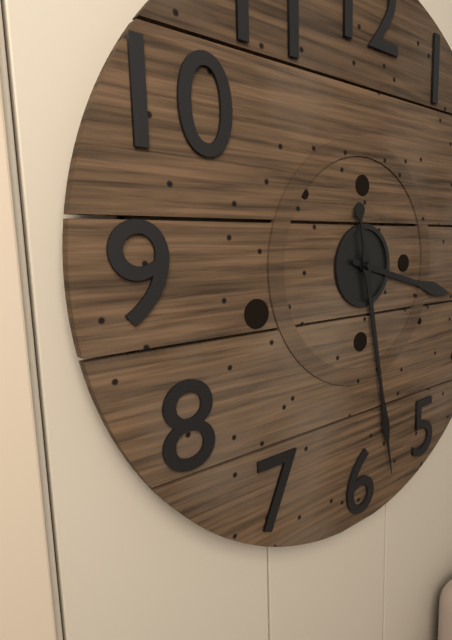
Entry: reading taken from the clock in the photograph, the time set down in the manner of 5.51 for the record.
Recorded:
3.28
